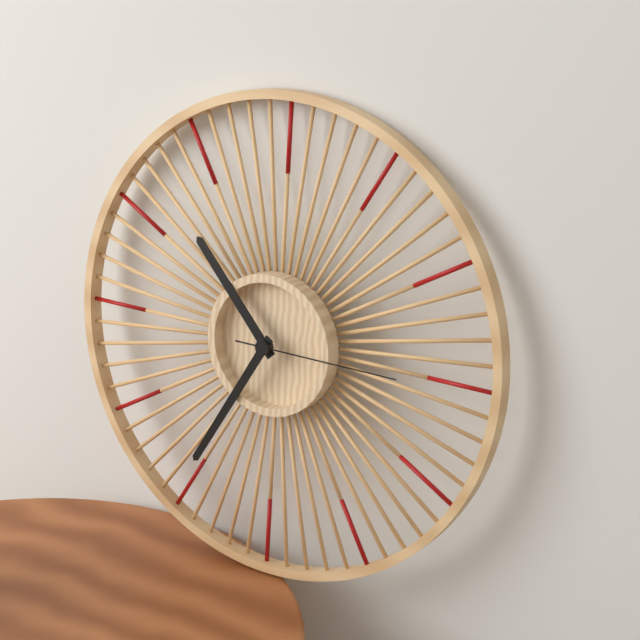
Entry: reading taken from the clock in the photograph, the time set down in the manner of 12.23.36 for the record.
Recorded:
10.35.15
